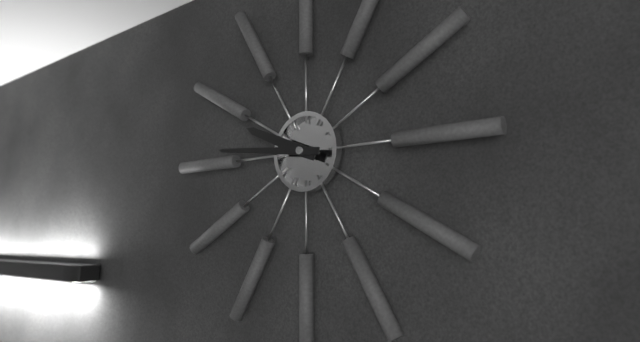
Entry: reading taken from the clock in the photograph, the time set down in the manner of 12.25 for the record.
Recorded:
9.46
